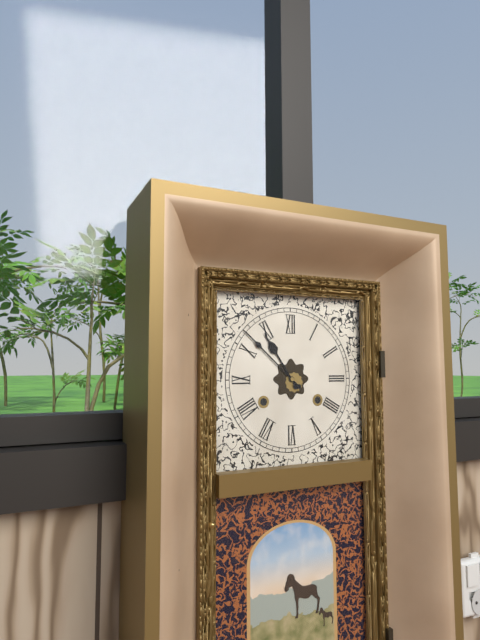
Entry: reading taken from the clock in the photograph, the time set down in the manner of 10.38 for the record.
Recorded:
10.52
